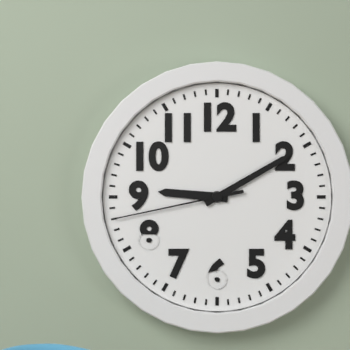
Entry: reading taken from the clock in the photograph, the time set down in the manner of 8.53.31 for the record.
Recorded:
9.10.43
